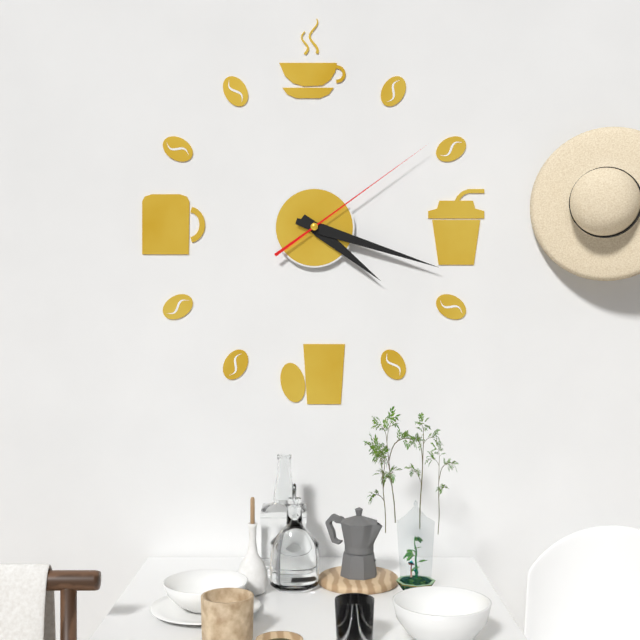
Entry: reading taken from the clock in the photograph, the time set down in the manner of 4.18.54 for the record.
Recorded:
4.18.09
